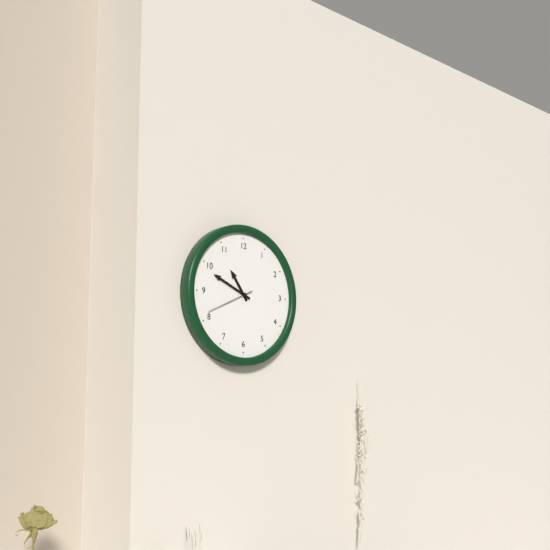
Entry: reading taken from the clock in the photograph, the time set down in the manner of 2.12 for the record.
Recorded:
10.49
